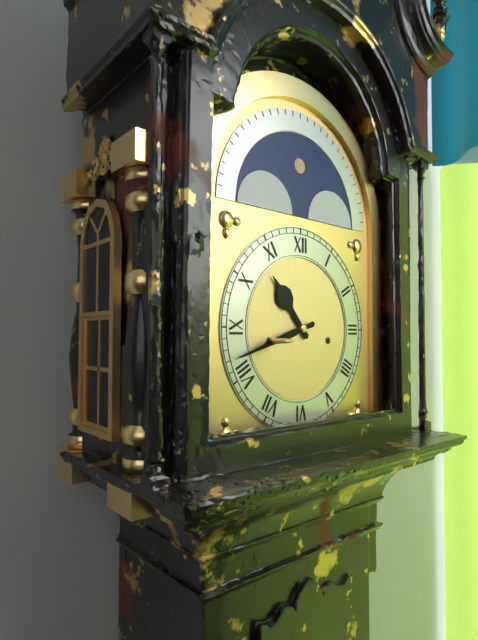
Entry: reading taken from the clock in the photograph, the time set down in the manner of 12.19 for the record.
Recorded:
10.42
